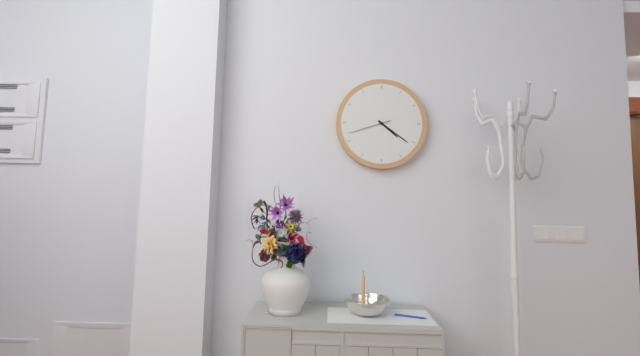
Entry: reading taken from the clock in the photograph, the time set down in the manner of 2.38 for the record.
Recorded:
4.21
